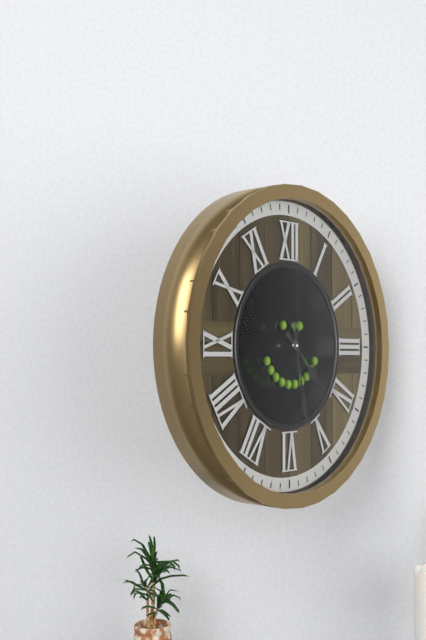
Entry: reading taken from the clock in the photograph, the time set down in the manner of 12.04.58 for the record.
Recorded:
4.28.00
